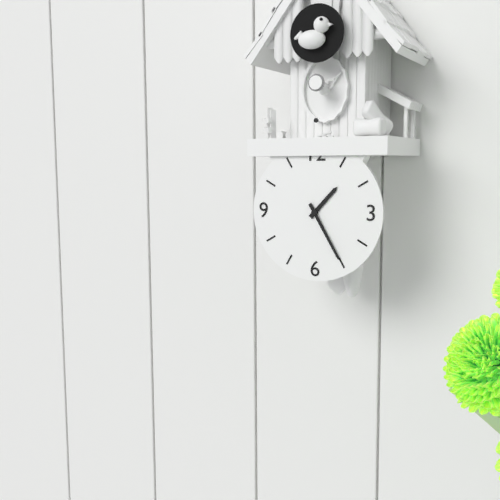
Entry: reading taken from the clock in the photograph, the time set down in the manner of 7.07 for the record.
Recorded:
1.25
